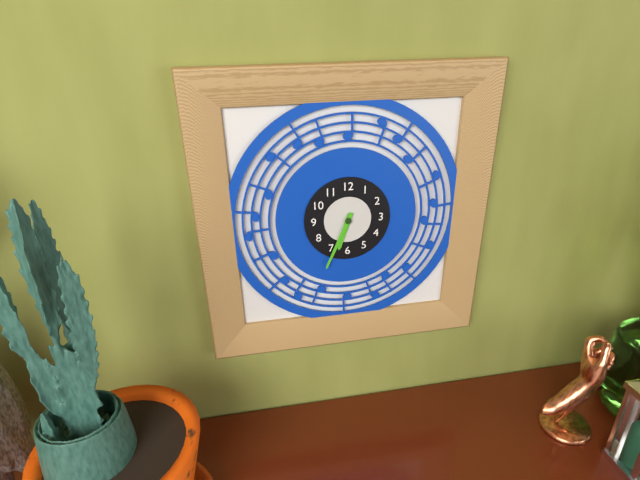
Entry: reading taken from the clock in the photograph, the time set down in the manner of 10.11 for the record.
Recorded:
6.34
